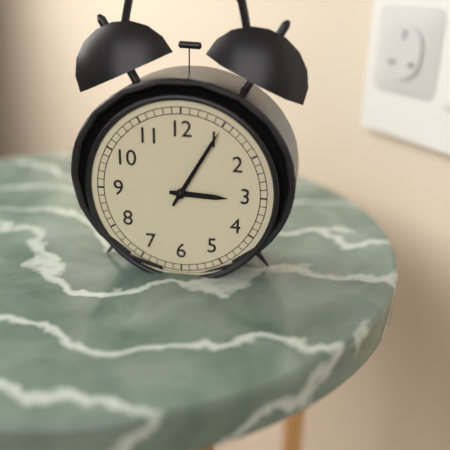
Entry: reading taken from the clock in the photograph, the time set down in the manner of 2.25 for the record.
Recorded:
3.05
